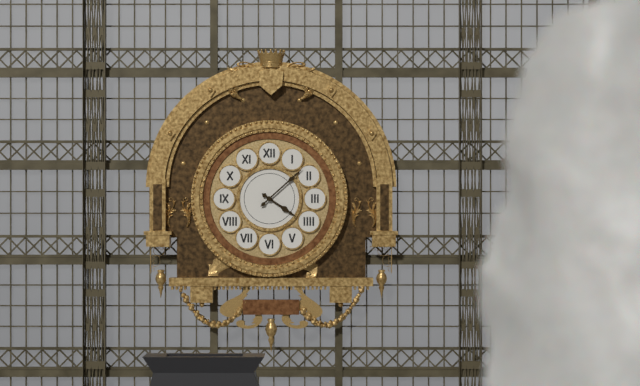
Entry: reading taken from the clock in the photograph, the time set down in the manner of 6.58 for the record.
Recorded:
4.08
